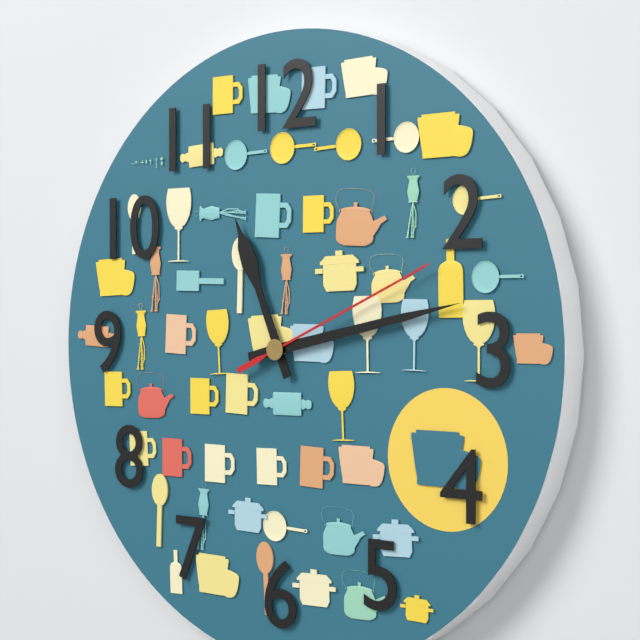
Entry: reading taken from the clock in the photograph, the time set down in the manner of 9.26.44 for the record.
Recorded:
11.13.11
